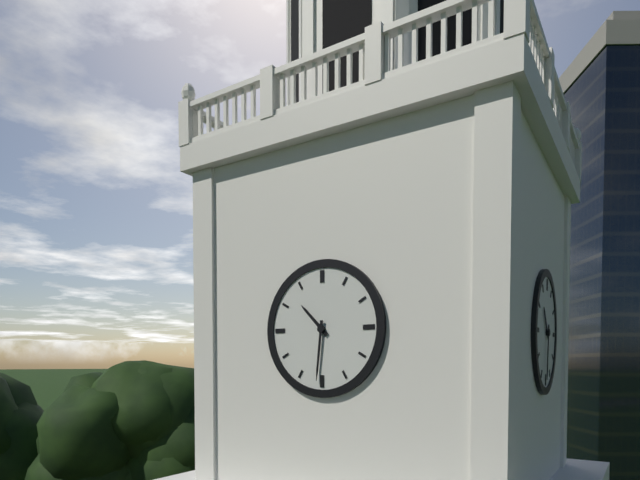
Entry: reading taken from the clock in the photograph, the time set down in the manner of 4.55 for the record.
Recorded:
10.31
